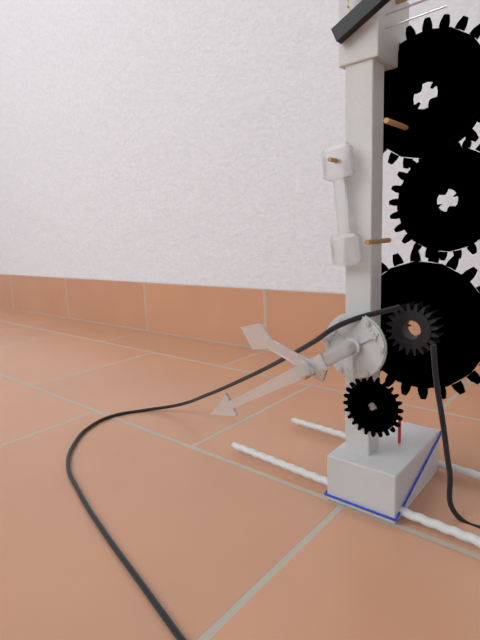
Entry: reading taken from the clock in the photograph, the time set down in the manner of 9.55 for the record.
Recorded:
9.40
